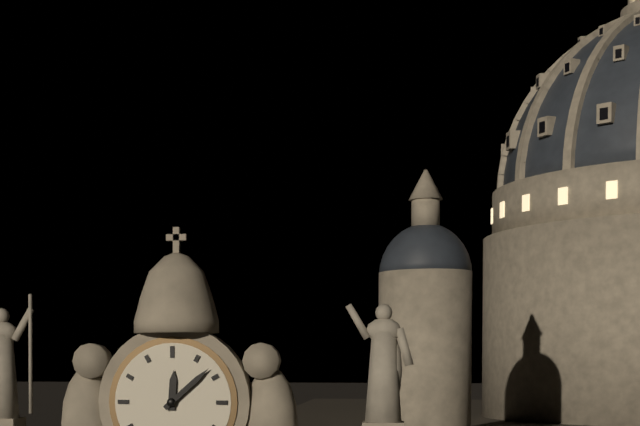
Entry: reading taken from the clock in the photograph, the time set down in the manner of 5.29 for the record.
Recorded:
12.08
